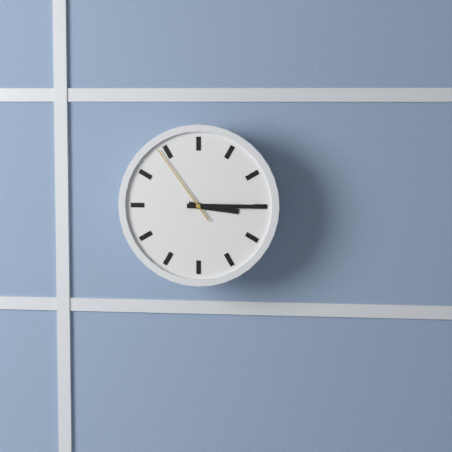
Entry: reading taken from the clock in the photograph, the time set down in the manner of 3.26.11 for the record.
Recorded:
3.15.54
